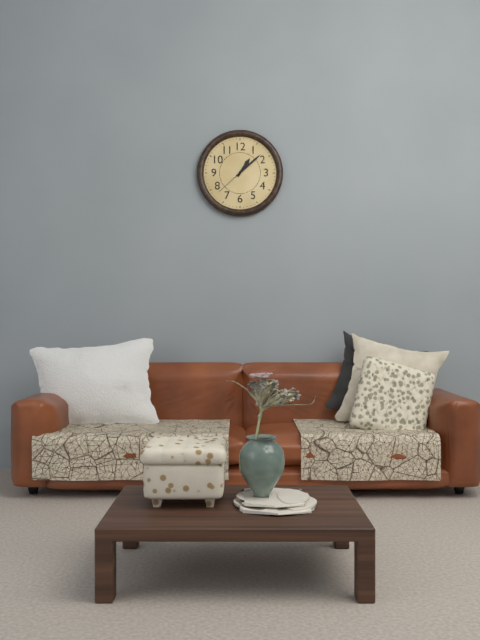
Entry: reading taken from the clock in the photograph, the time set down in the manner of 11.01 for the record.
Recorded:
1.08
